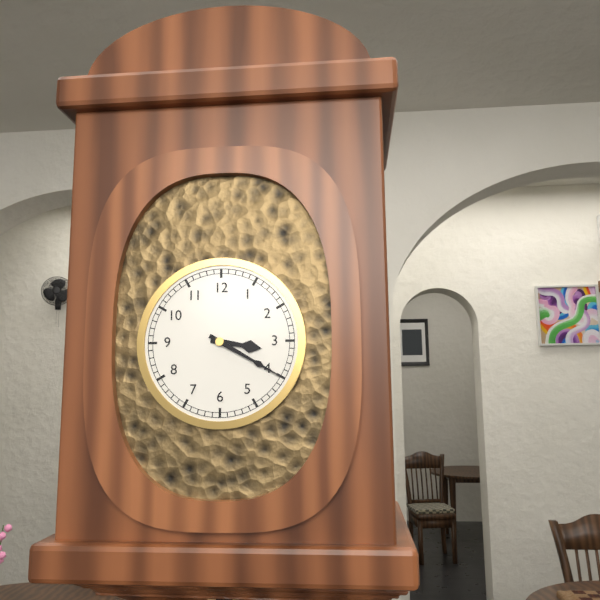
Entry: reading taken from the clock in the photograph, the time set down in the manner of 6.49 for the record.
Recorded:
3.20
